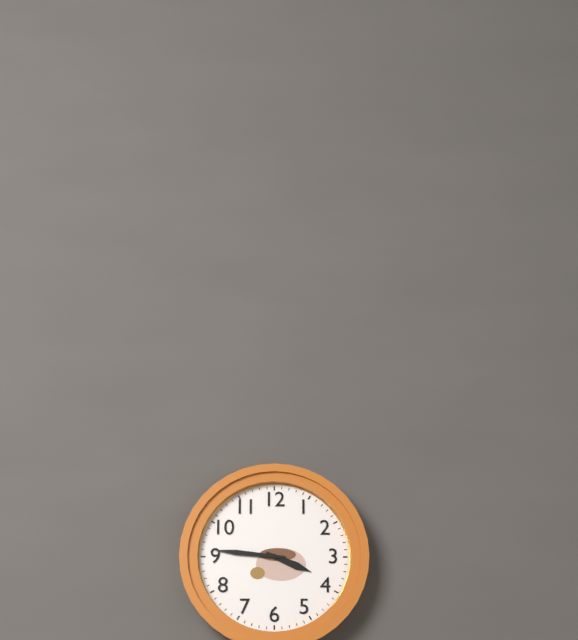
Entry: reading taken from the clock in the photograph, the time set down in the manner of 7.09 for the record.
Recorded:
3.46
